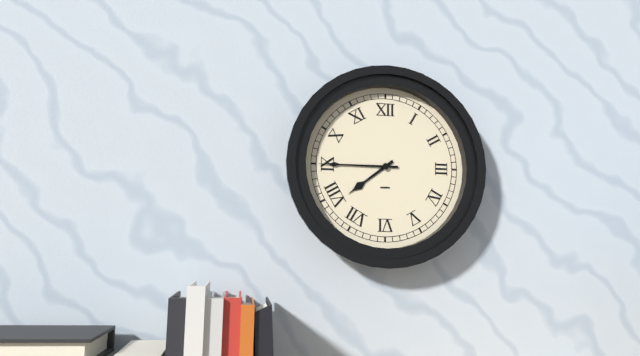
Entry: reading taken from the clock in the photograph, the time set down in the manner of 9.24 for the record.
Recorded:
7.45
